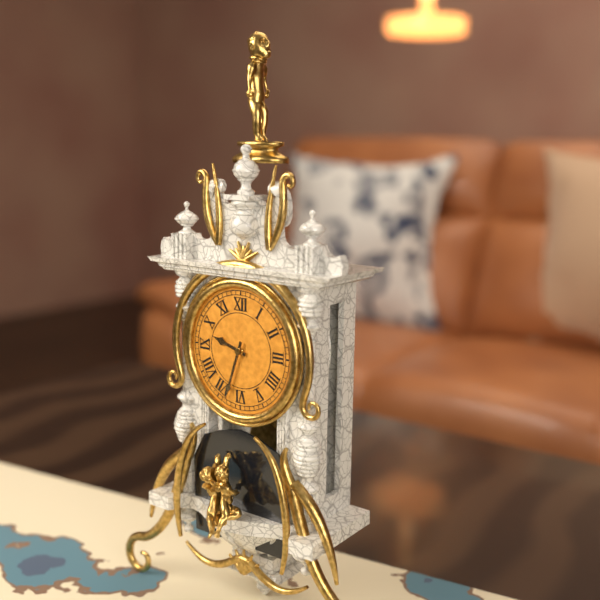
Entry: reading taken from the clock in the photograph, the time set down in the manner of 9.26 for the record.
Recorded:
9.33
